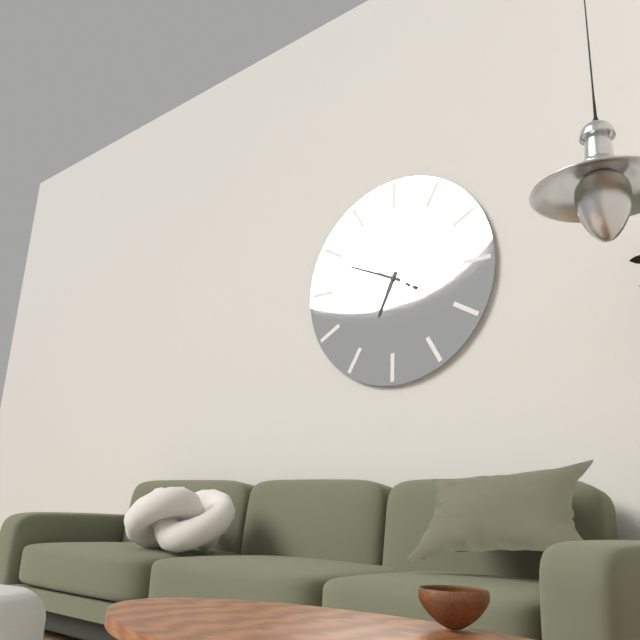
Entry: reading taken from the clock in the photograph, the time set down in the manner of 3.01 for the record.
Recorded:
6.49
